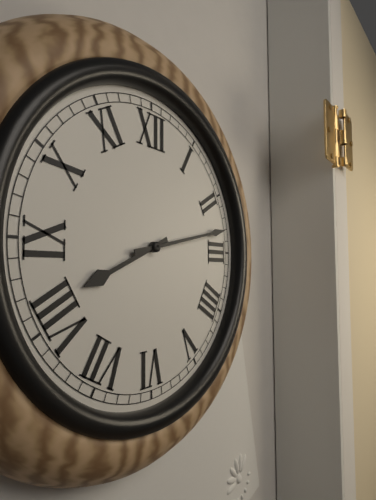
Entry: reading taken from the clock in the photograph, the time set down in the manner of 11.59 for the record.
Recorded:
8.13
